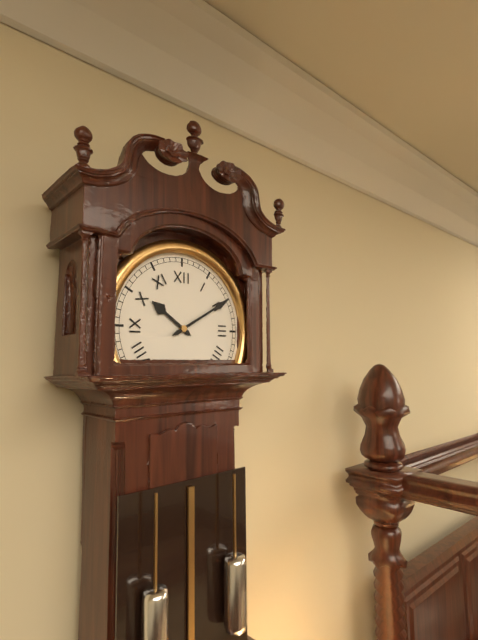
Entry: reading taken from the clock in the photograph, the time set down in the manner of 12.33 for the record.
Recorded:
10.10
